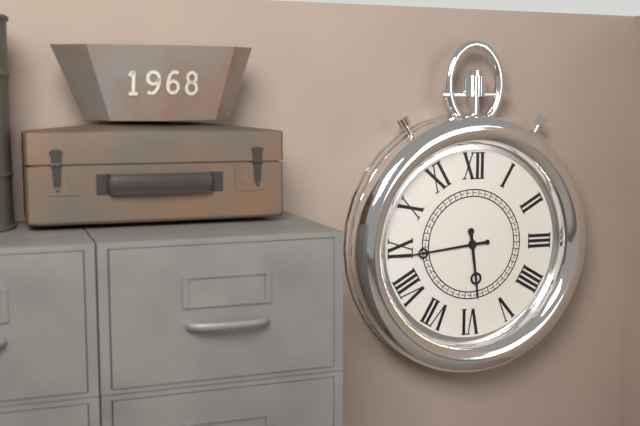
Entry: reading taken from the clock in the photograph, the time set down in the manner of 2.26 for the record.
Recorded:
5.44
